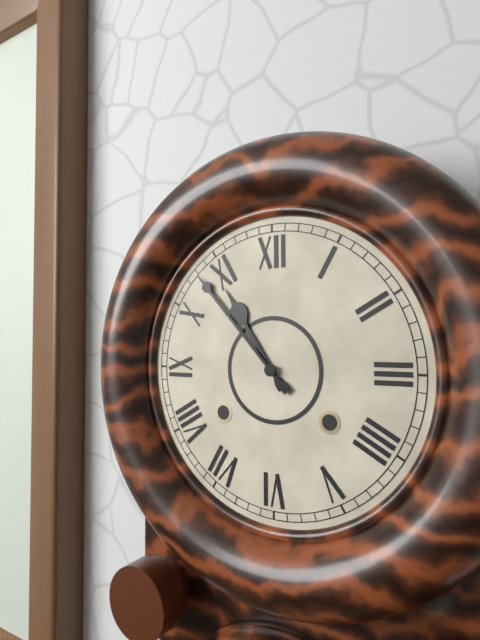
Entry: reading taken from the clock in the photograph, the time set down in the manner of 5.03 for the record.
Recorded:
10.53
